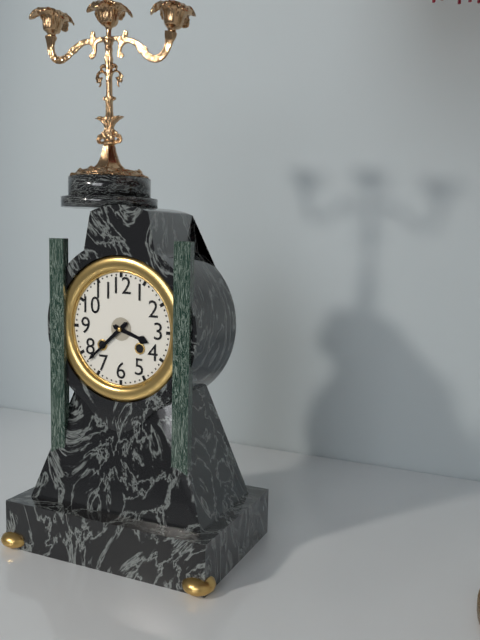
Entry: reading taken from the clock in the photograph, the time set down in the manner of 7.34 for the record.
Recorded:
3.38
